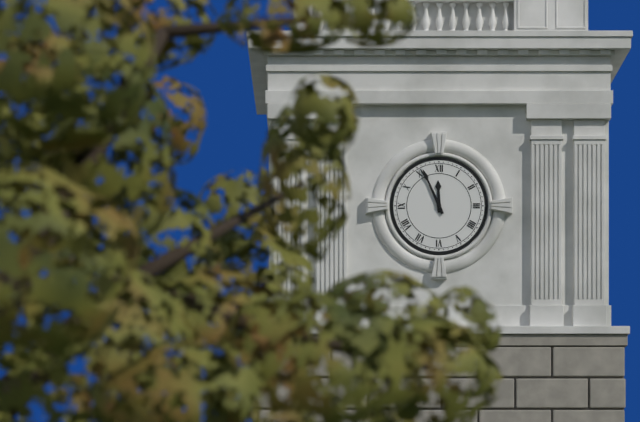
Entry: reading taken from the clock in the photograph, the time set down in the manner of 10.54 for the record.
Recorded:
11.56
